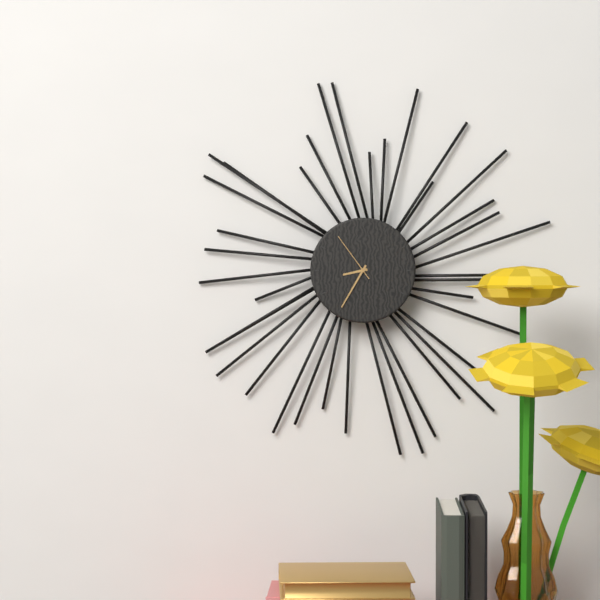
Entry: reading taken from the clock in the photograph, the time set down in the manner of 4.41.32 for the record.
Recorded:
8.35.54
